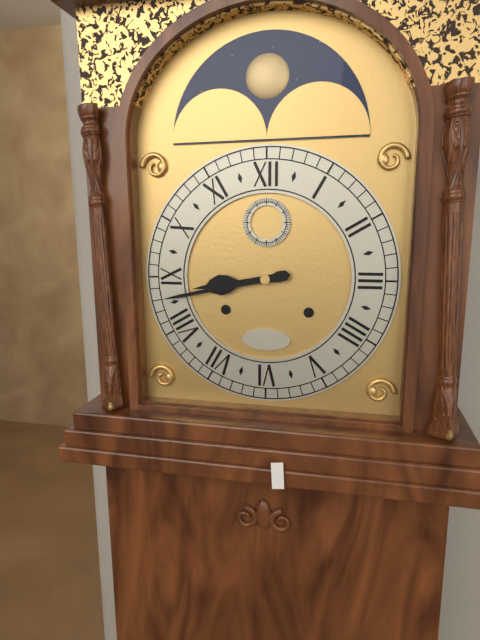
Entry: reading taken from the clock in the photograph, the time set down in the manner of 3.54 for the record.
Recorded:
8.43
